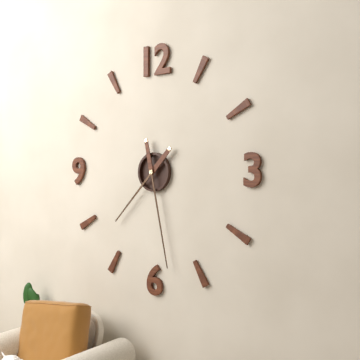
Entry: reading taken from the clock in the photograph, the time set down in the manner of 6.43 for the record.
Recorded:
7.28
